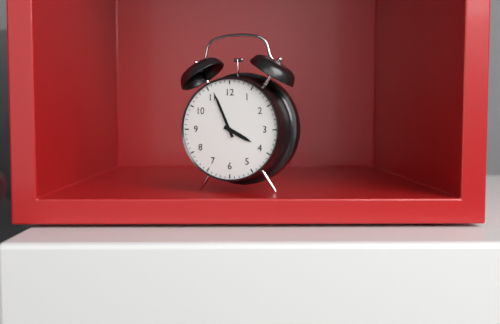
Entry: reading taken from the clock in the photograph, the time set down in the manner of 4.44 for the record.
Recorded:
3.56
